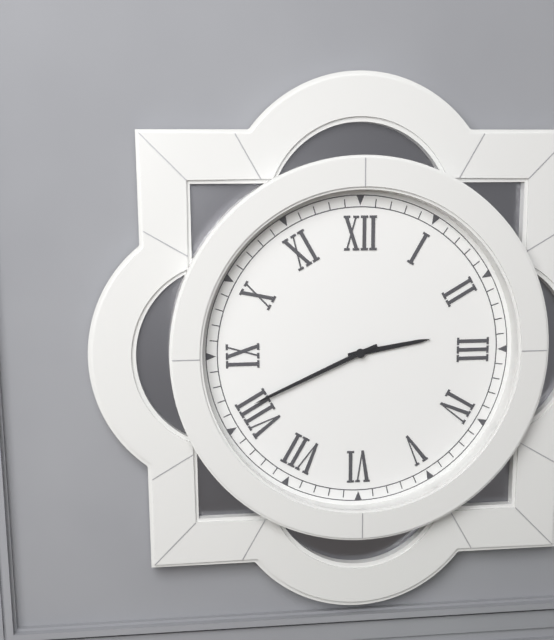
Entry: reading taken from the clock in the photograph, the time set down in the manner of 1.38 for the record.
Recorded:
2.41
